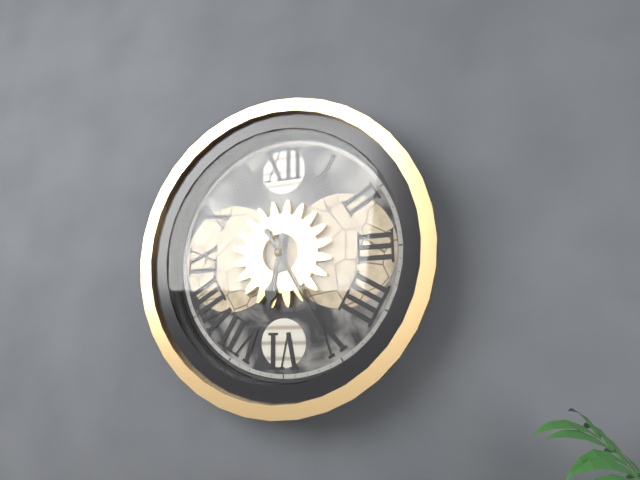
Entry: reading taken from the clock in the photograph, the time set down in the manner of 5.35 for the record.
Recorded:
6.25
